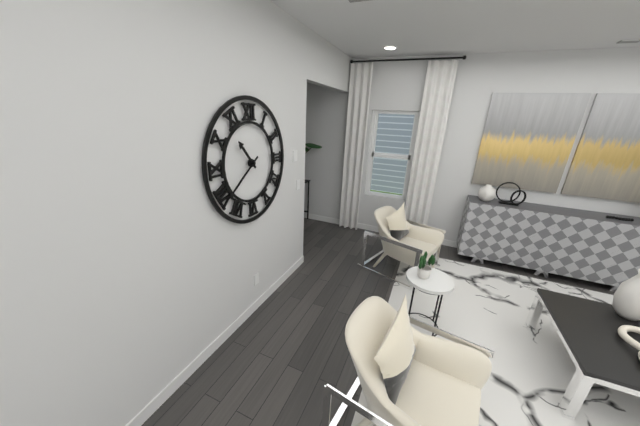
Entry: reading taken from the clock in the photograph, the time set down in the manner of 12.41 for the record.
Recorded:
10.39
